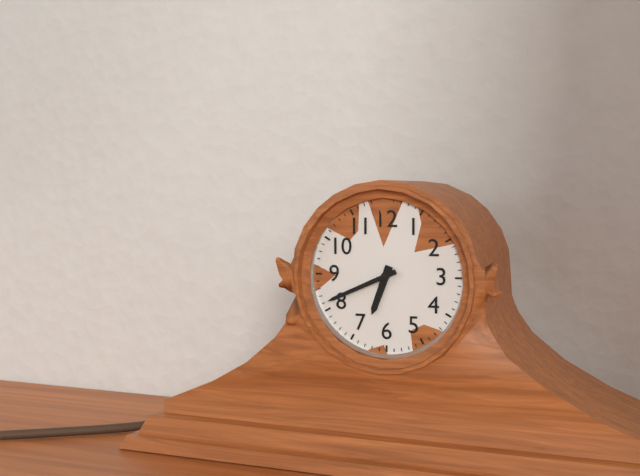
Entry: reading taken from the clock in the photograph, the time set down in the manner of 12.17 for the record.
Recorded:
6.41
